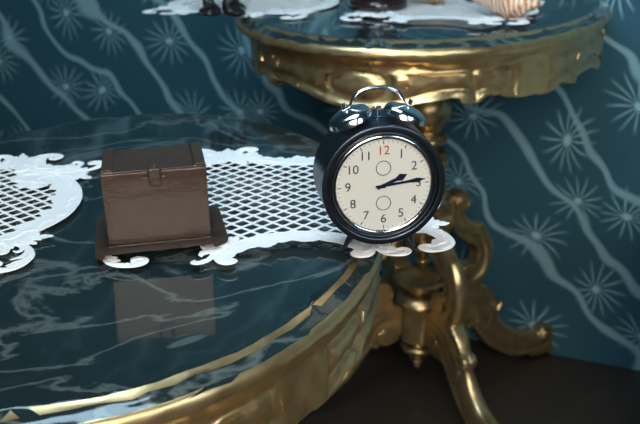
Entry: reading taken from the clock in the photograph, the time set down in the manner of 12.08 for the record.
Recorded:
2.14
